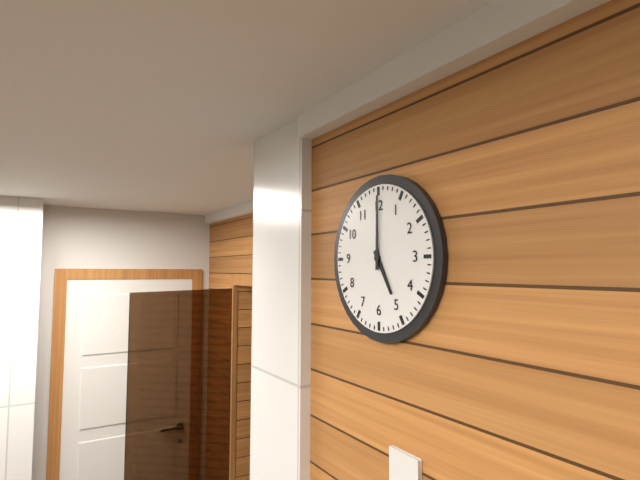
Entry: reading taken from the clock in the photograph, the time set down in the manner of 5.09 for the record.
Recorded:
5.00
